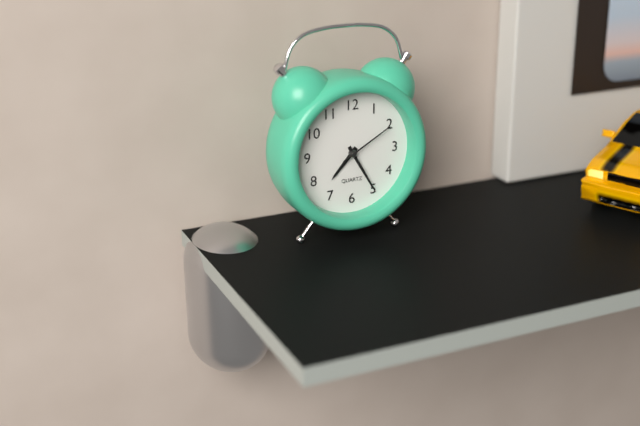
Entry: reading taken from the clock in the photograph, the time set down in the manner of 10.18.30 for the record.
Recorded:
7.25.10
